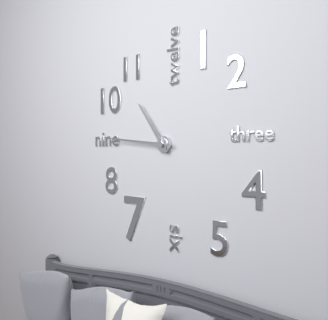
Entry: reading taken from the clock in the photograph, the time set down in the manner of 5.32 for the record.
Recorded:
10.46
